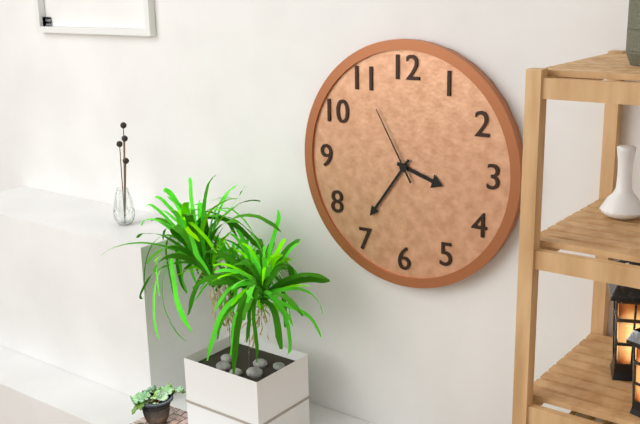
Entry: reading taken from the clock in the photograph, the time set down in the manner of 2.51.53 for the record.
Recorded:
3.36.55
